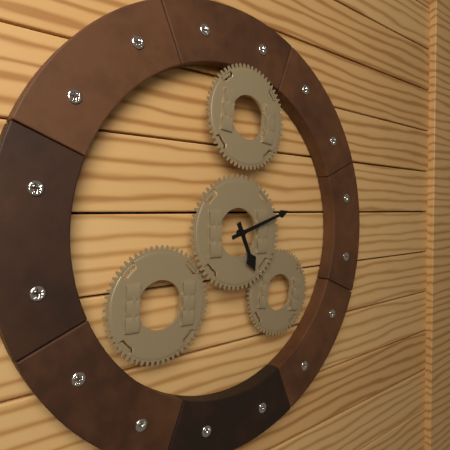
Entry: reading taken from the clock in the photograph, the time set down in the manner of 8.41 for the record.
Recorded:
5.12
